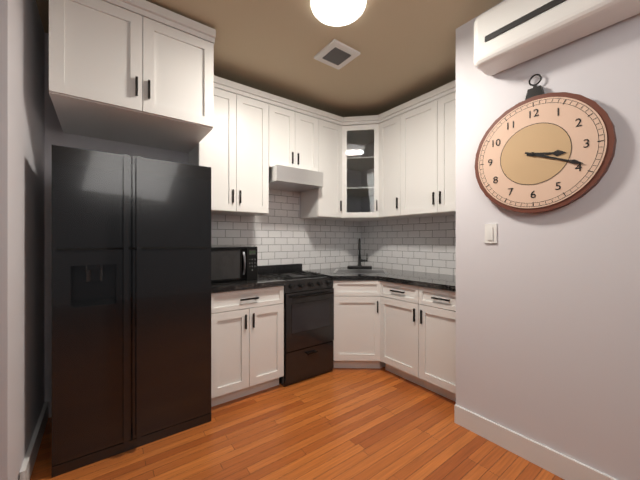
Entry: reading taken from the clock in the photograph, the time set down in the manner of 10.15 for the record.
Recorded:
3.19
